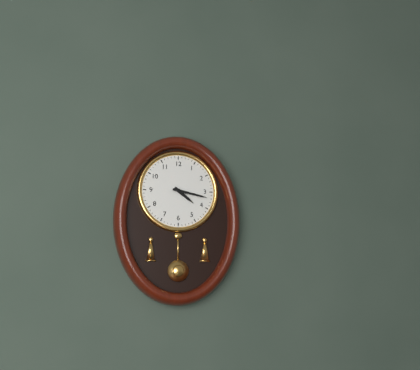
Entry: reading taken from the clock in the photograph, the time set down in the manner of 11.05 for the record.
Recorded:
4.17
